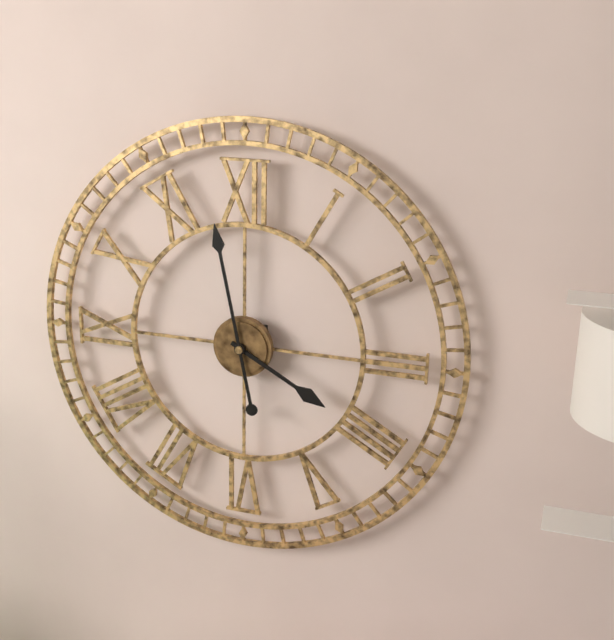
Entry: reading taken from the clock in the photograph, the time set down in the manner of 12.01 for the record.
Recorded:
3.58
